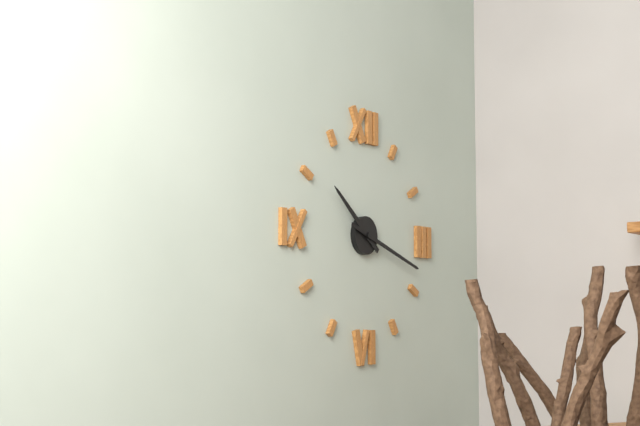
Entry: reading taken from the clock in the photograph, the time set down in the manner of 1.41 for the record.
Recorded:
10.18
